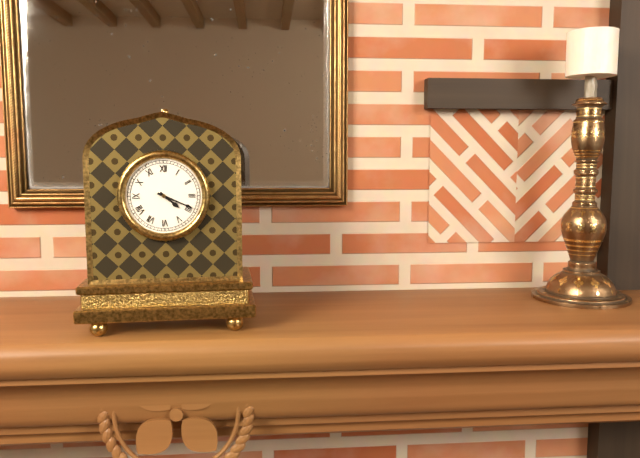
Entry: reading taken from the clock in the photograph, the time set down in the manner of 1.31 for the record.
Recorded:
4.19
